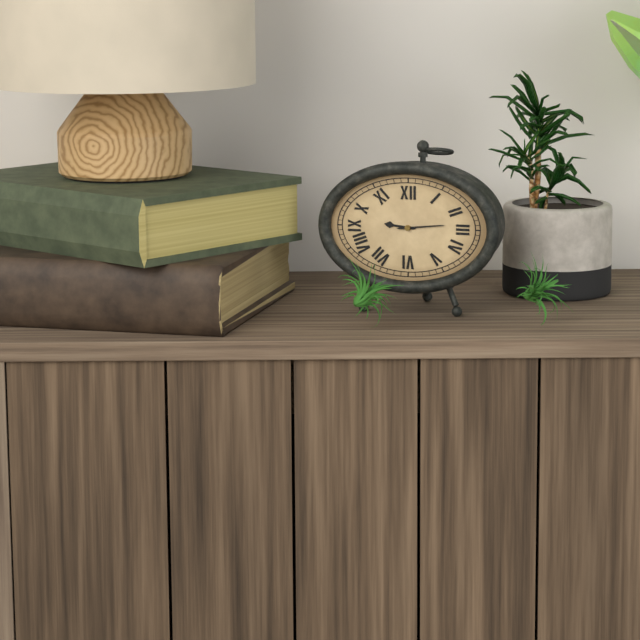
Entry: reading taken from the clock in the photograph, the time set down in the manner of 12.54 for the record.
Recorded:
9.14
